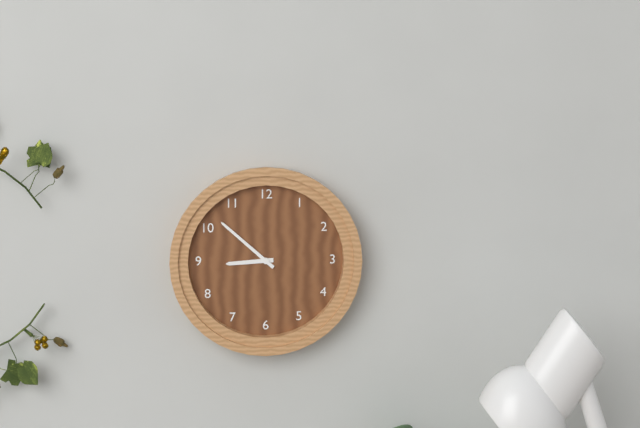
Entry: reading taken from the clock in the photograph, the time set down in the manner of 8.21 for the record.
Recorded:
8.52
